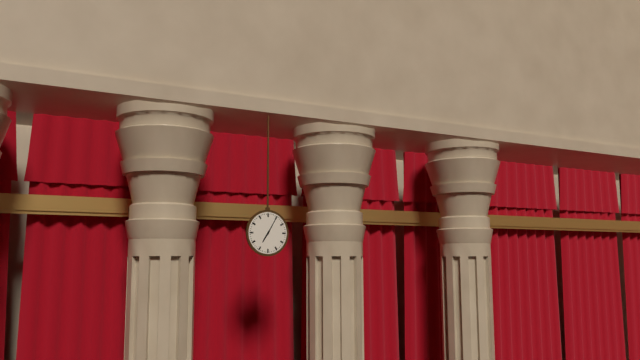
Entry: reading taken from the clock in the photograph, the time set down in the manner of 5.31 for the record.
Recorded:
7.05
